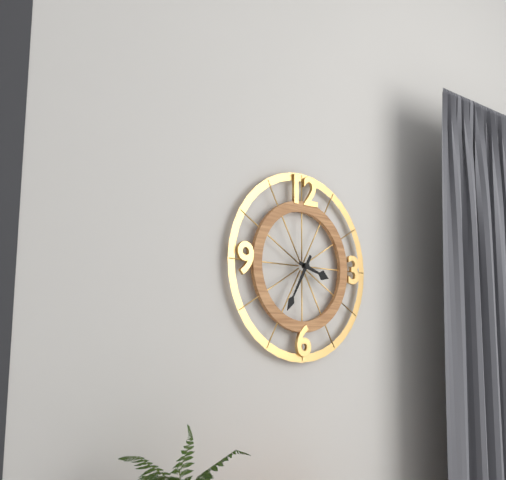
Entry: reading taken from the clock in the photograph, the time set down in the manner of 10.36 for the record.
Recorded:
3.35
